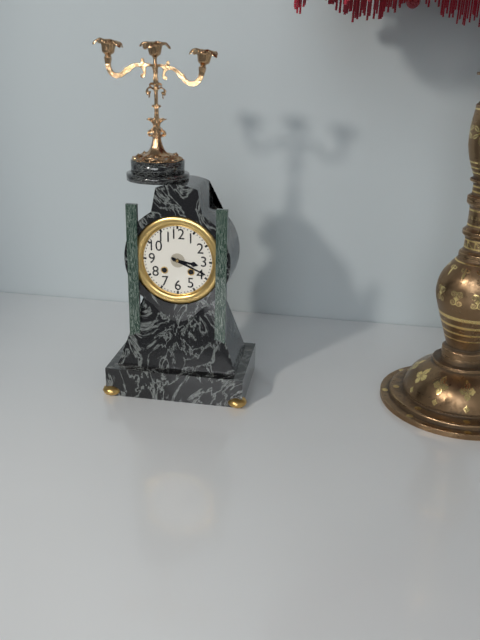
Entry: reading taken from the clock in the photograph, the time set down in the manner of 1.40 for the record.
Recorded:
3.19
